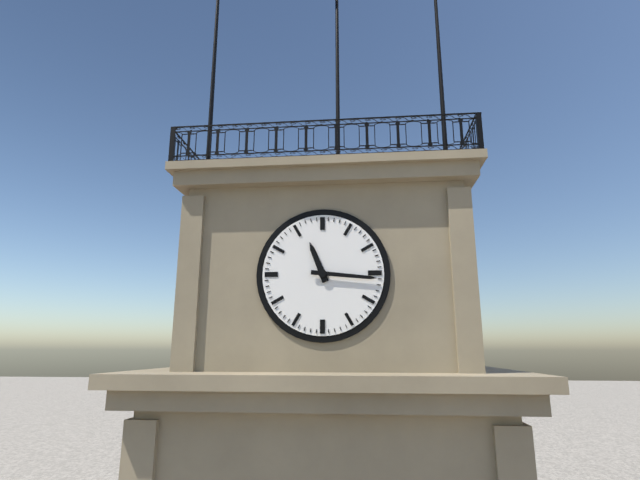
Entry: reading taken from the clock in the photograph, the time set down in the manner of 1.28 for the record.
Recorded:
11.16
